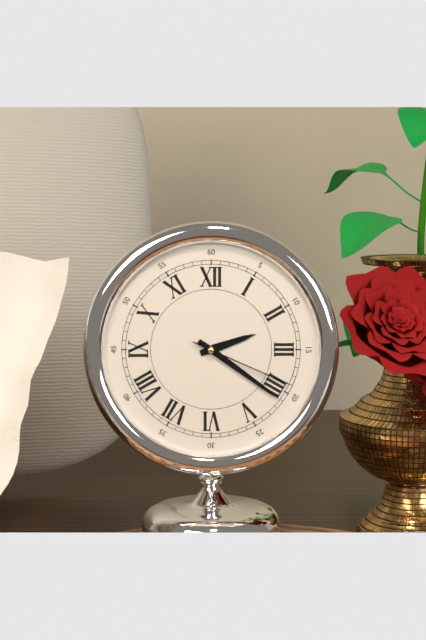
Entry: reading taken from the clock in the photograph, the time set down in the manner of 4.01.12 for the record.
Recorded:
2.21.19
